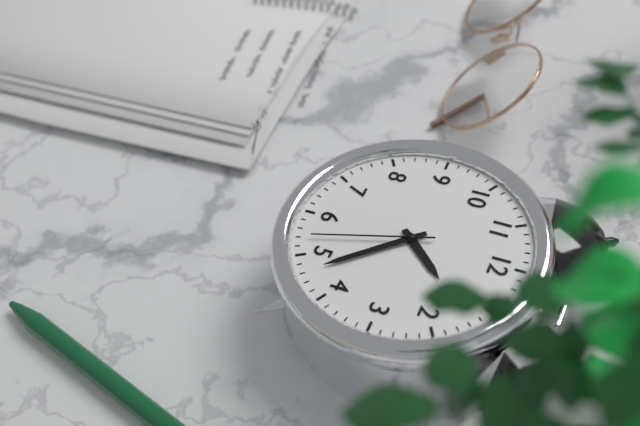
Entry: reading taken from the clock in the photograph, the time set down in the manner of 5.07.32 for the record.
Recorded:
1.23.27
